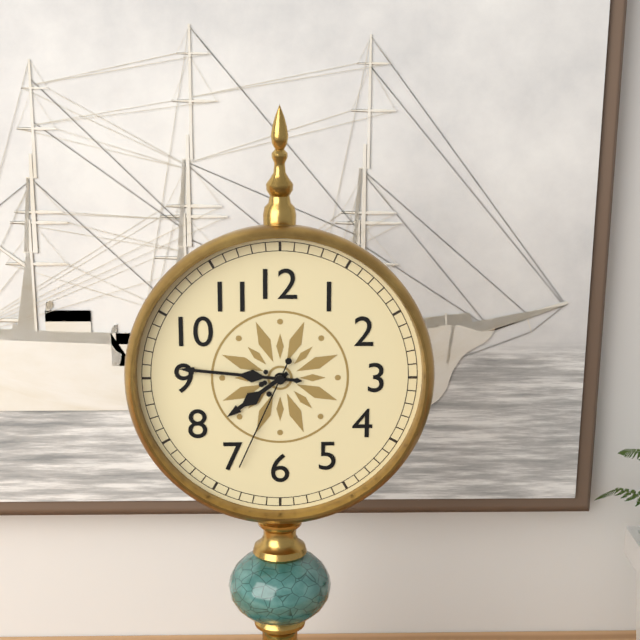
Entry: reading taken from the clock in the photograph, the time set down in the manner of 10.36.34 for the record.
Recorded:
7.46.34
